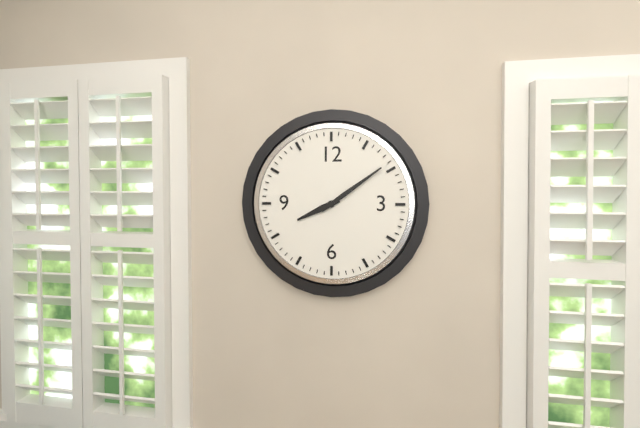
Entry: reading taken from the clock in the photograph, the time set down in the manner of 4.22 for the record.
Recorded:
8.09
